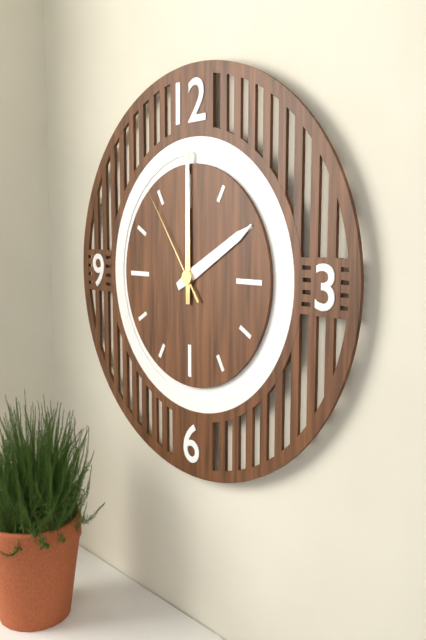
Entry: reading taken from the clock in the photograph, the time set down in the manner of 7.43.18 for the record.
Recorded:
2.00.54
